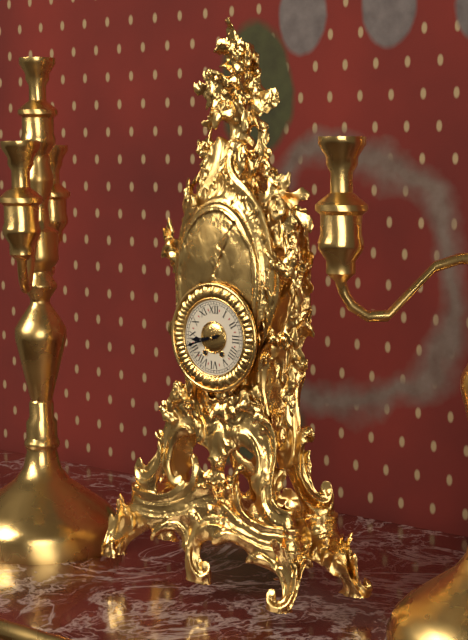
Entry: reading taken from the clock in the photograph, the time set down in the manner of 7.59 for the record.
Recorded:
8.42
